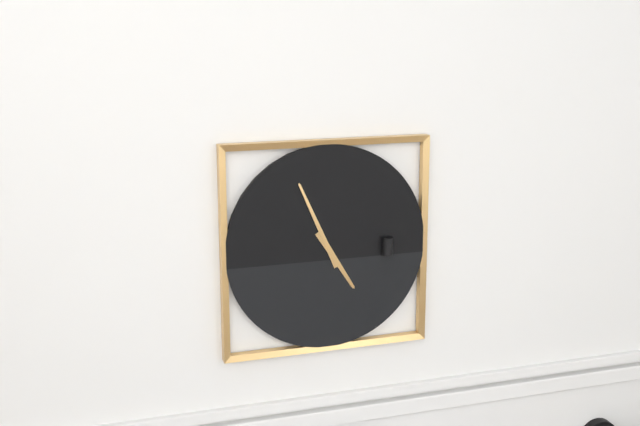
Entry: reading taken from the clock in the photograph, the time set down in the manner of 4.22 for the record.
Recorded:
4.56
